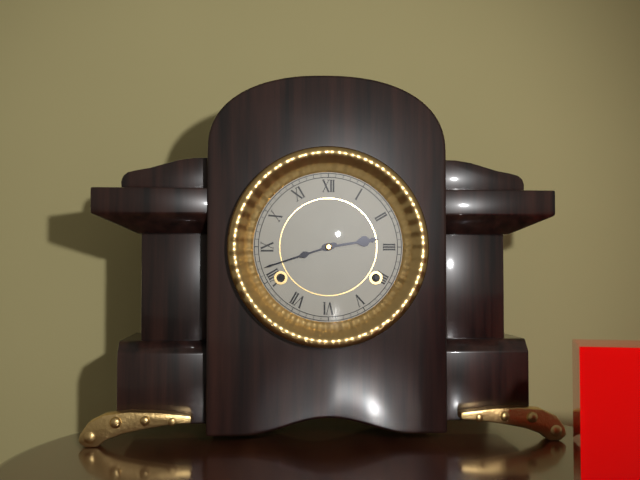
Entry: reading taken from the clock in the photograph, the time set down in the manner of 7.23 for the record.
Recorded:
2.42
